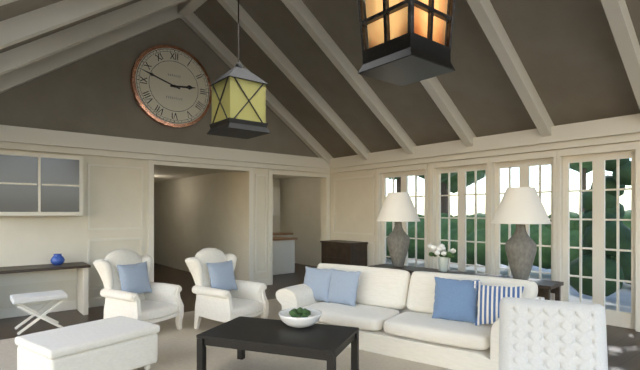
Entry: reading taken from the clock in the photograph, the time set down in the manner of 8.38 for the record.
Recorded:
2.48
